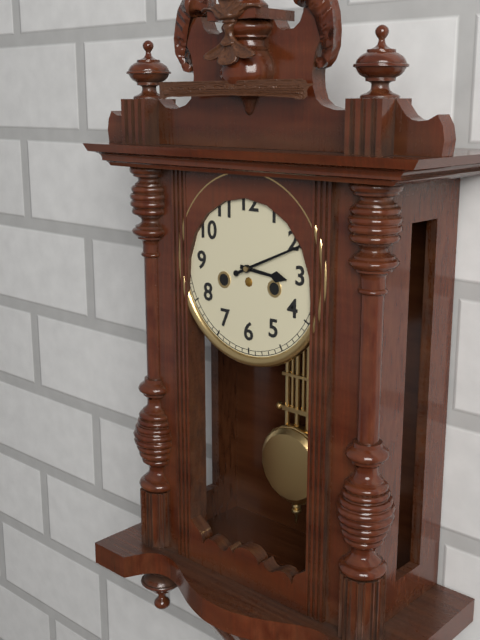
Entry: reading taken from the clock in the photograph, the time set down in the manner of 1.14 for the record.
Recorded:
3.11
